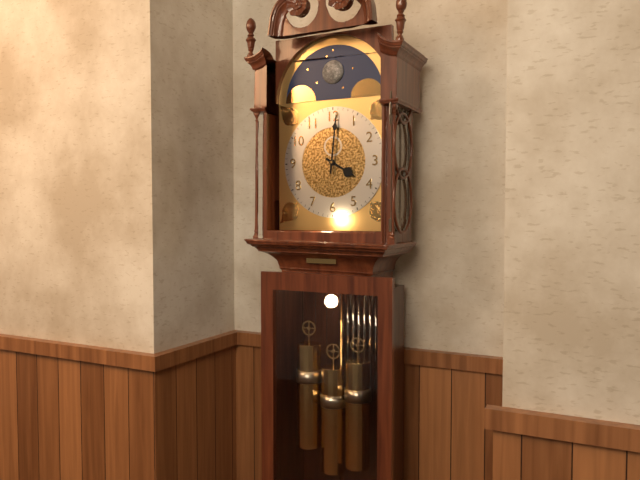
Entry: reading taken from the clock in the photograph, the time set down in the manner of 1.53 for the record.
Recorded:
4.01
